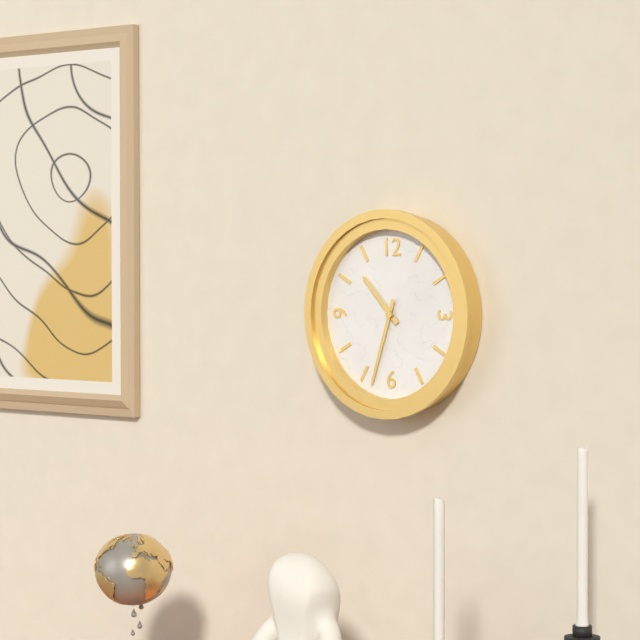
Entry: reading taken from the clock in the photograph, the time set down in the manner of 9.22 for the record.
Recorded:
10.33
